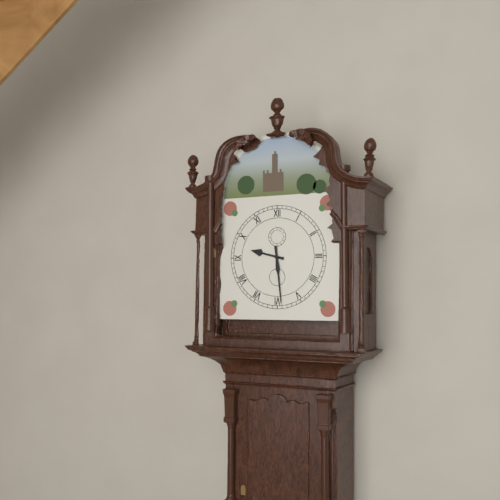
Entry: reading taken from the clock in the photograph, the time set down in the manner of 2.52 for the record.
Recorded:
9.29
